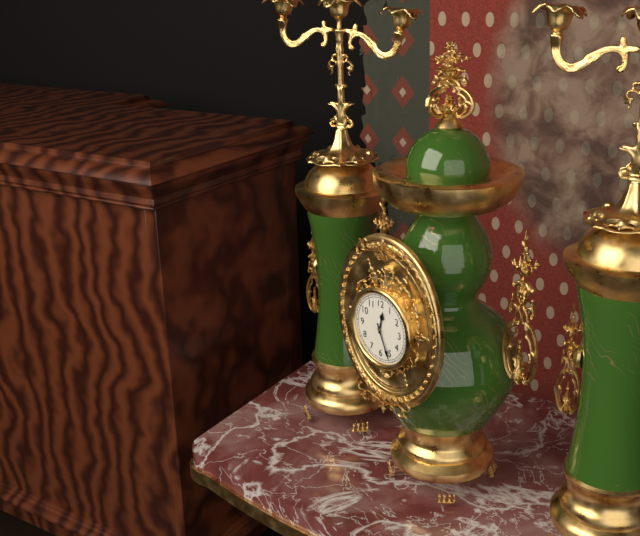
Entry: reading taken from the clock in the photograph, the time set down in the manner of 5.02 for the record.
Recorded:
12.26
